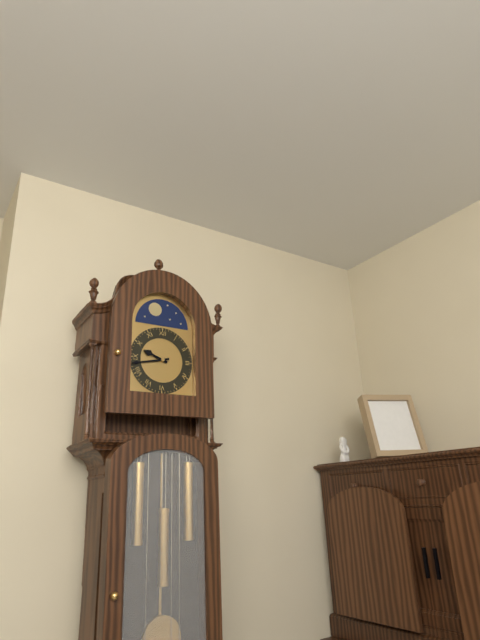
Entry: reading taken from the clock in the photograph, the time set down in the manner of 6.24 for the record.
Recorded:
9.43
